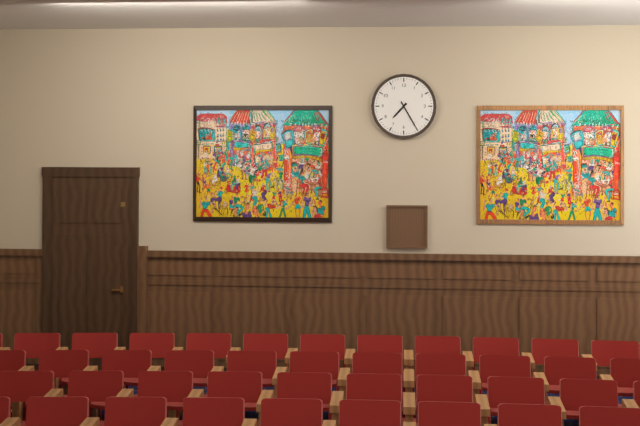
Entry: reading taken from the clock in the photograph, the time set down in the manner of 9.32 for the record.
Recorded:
7.25
